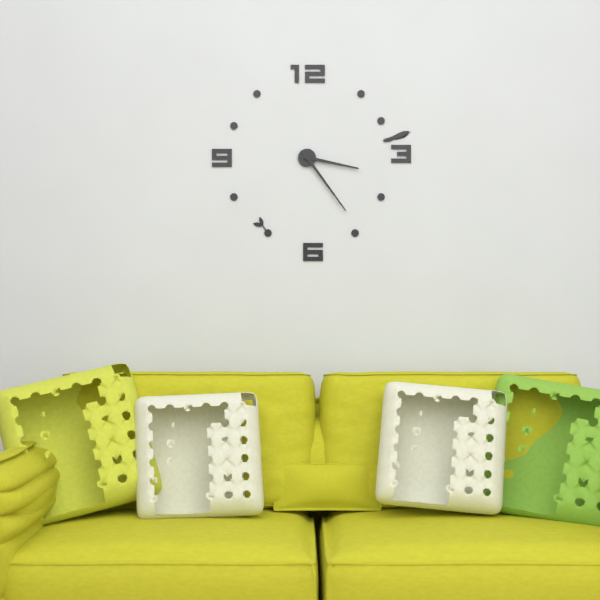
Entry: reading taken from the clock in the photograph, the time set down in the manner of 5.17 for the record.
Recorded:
3.24
